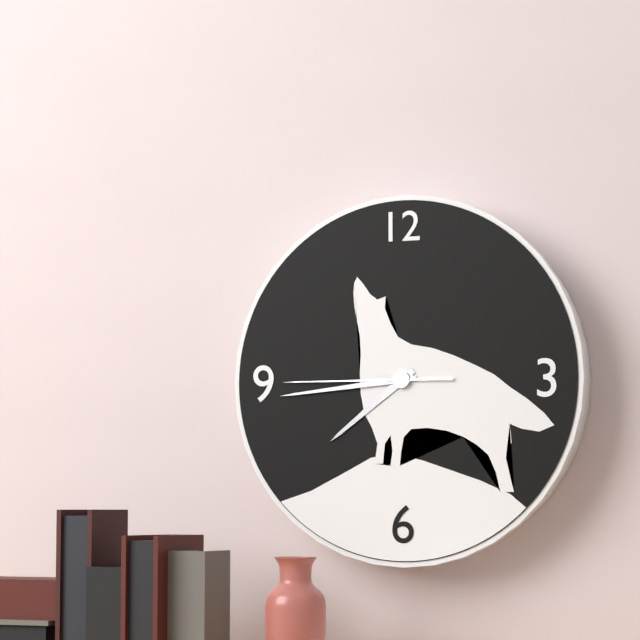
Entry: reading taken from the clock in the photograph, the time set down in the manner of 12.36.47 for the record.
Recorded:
7.44.45
